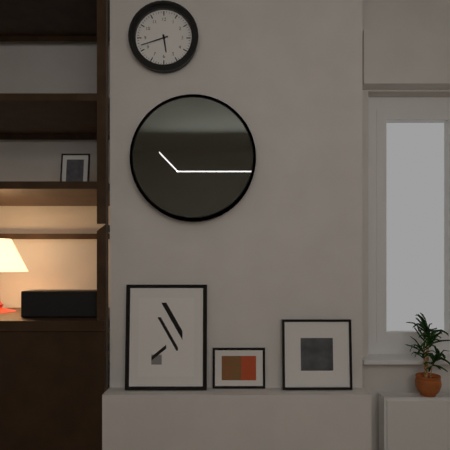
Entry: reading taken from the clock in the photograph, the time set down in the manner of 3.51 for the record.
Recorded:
5.42
